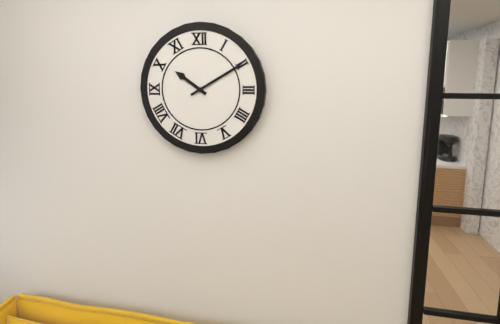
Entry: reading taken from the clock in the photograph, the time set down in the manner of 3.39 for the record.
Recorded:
10.10
